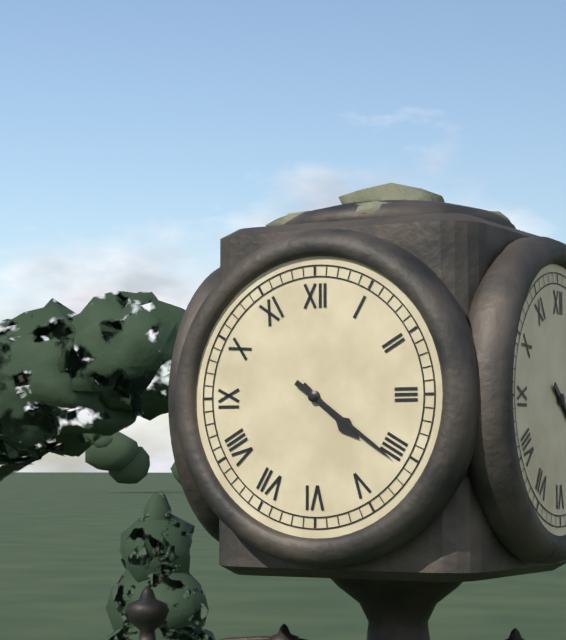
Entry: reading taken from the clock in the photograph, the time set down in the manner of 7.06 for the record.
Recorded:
4.21
